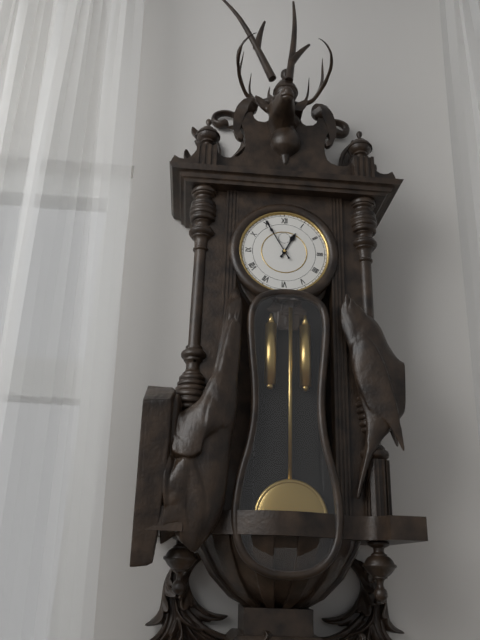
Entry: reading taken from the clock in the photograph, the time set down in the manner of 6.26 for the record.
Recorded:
12.55
